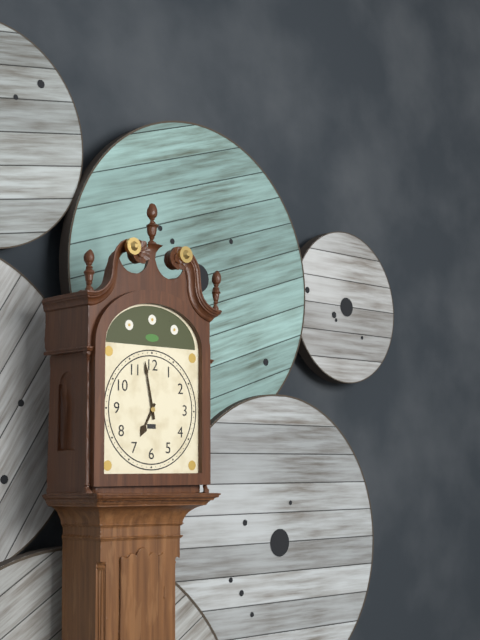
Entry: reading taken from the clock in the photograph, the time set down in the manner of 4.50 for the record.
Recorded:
6.58
